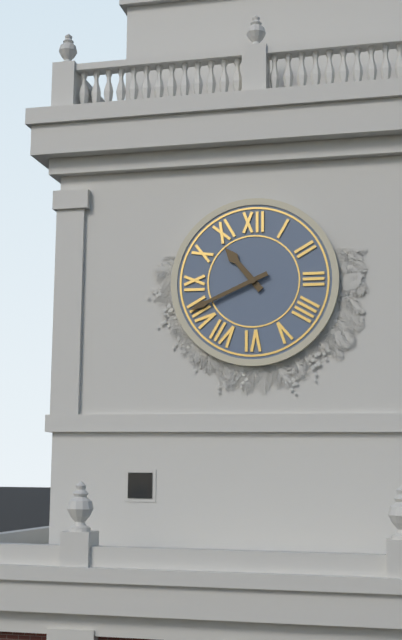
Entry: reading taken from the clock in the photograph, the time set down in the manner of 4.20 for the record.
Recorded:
10.41
